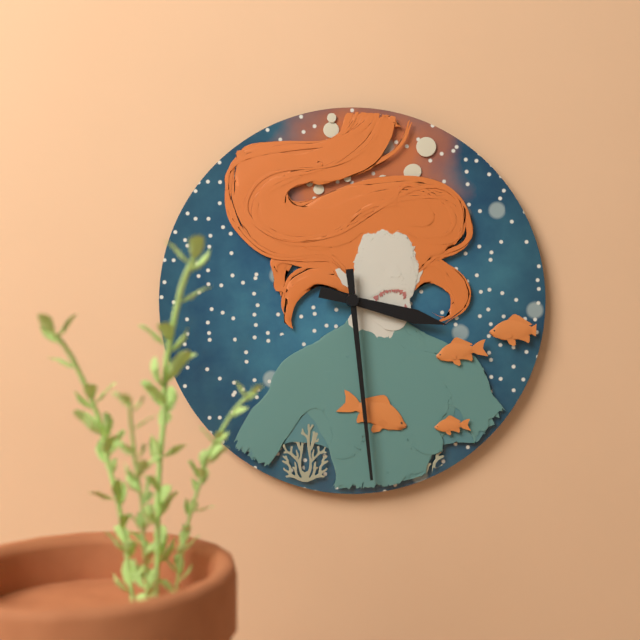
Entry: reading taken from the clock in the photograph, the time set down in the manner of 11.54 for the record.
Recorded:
3.29
